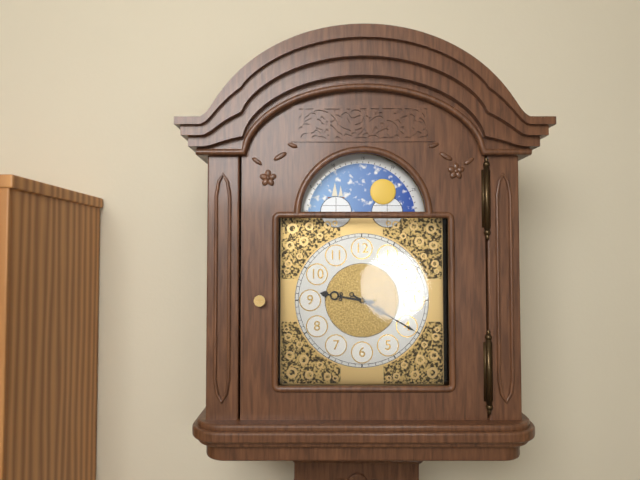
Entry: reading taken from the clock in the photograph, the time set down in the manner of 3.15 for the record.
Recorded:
9.20
